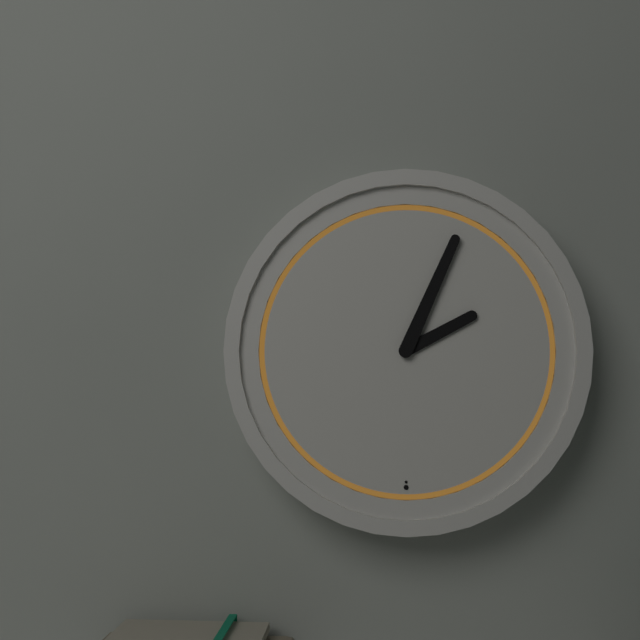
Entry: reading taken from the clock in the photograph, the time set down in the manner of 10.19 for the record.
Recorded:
2.04
